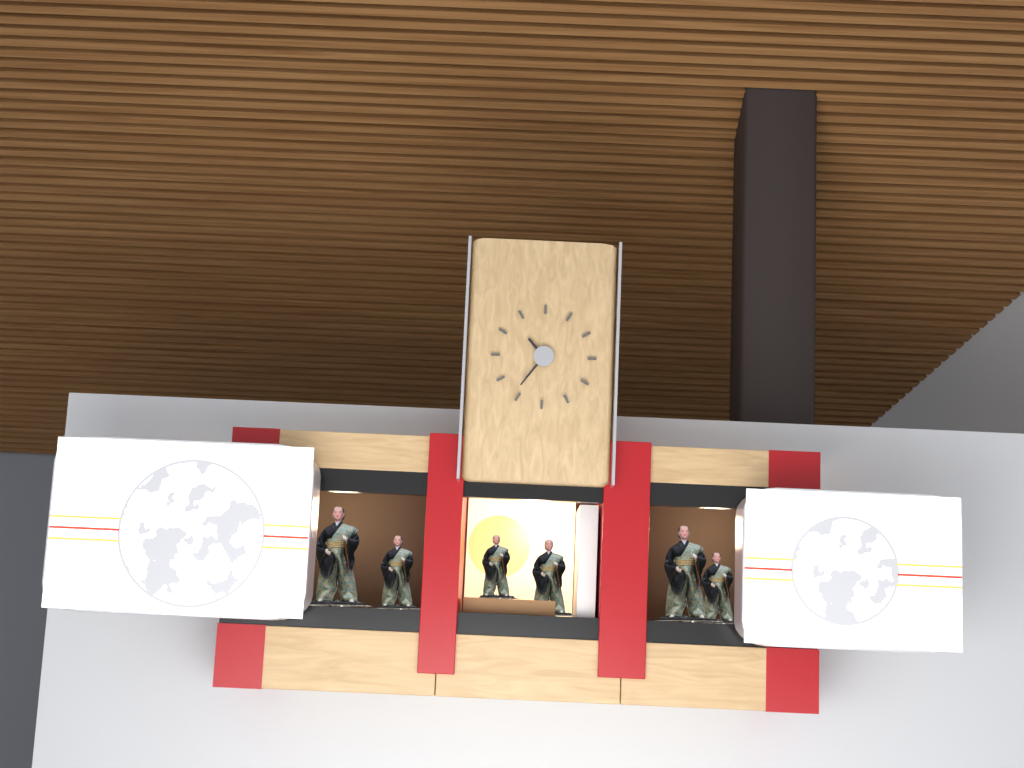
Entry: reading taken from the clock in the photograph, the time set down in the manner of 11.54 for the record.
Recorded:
10.36
